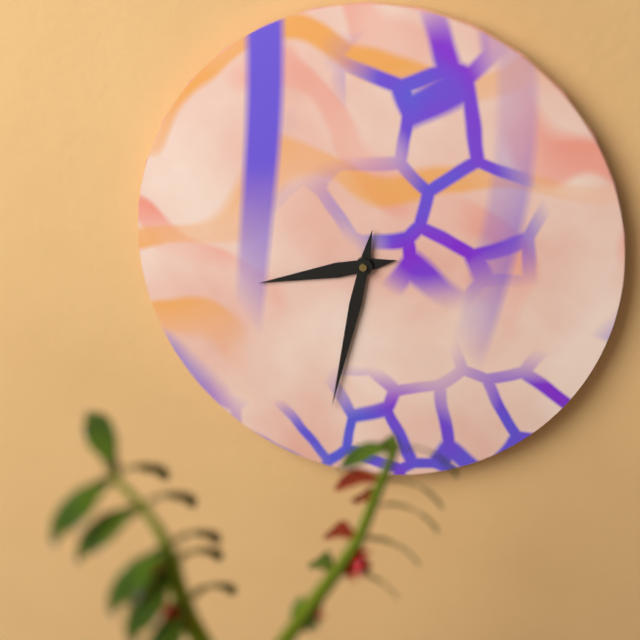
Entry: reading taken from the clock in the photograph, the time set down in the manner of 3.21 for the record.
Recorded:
8.32
